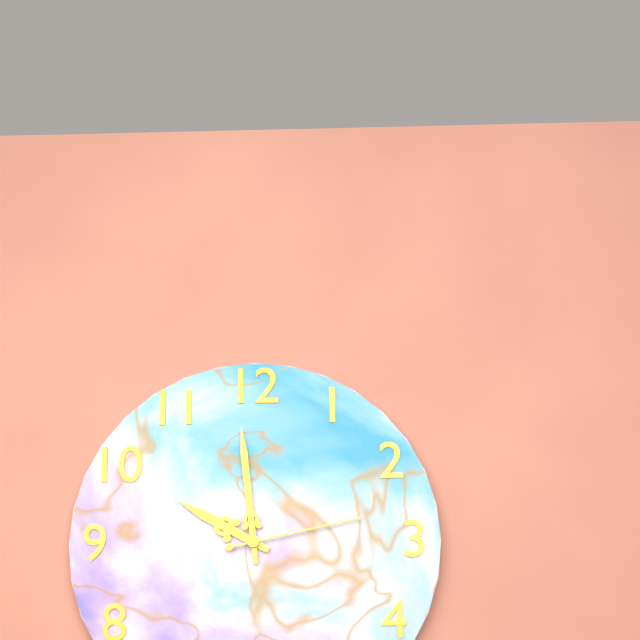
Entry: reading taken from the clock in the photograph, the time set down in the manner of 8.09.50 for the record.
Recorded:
9.59.13
